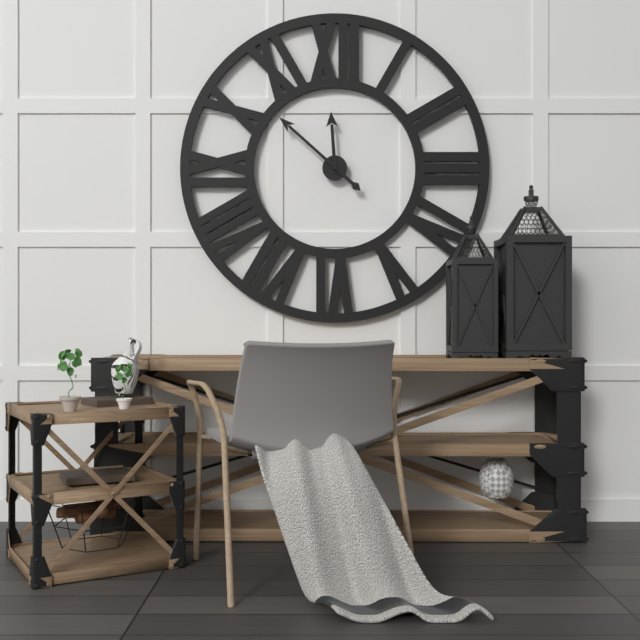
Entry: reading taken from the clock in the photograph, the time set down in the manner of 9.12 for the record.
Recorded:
11.52
